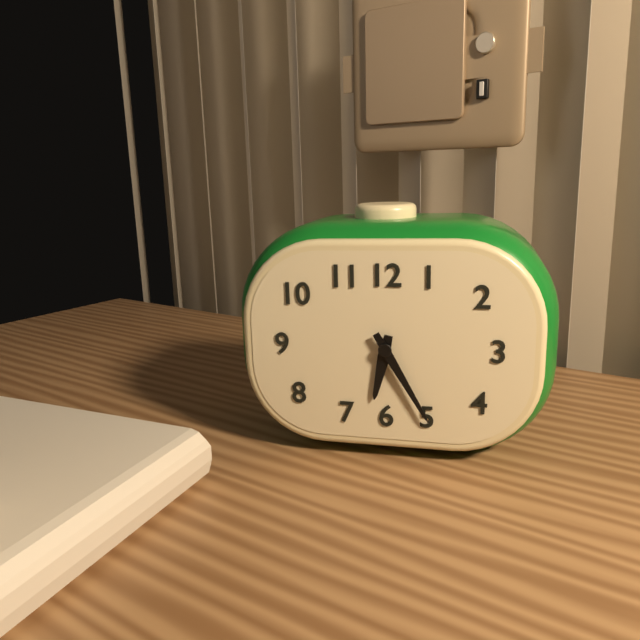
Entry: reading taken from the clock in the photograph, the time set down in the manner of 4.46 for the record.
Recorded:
6.25
